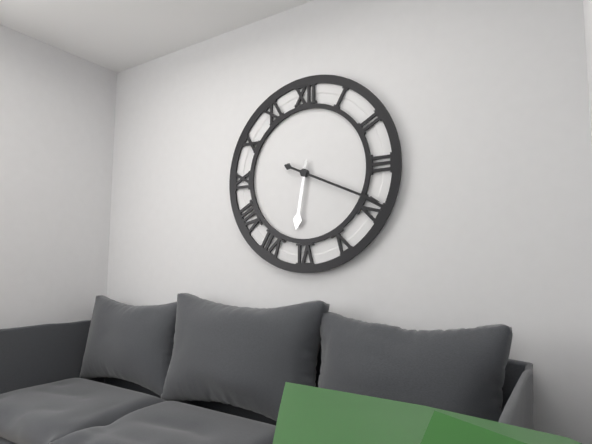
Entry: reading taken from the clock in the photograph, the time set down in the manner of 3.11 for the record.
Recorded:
6.19
